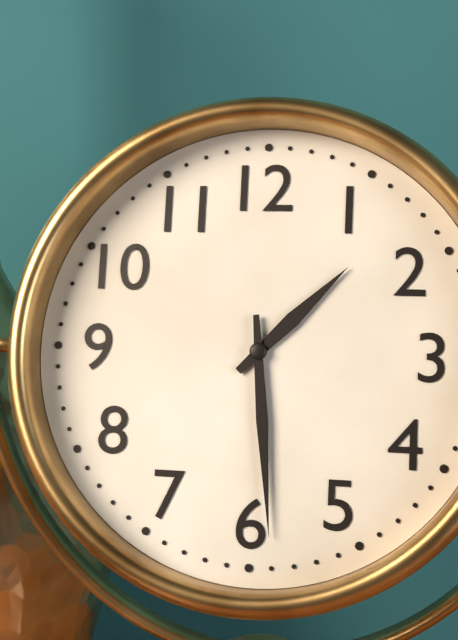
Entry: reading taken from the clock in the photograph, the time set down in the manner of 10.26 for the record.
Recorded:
1.29
